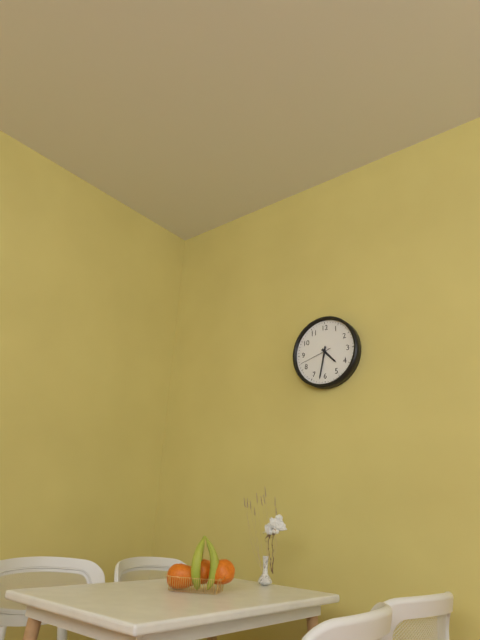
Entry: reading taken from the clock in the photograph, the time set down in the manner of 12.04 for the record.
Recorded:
4.32
